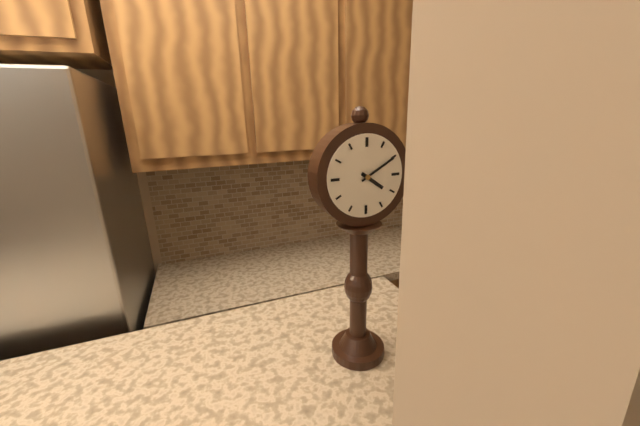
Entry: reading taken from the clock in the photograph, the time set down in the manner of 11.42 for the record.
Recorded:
4.10
